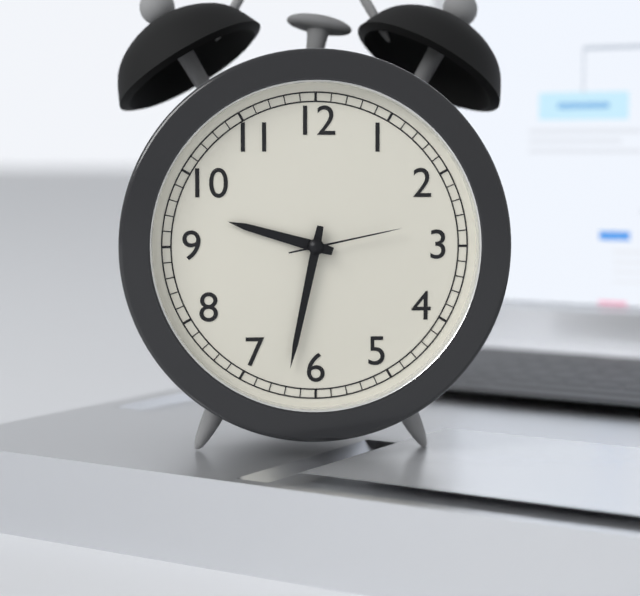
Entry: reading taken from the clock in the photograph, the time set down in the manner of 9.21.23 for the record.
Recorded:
9.32.13
